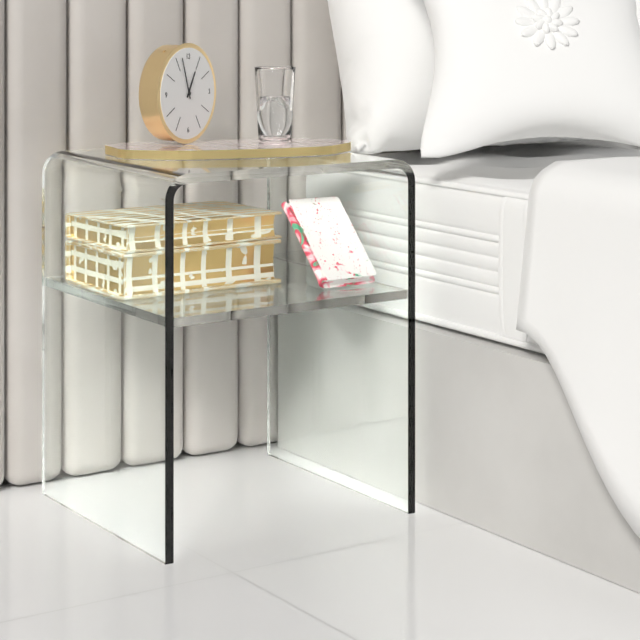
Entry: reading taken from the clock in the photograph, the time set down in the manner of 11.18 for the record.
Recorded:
12.57
